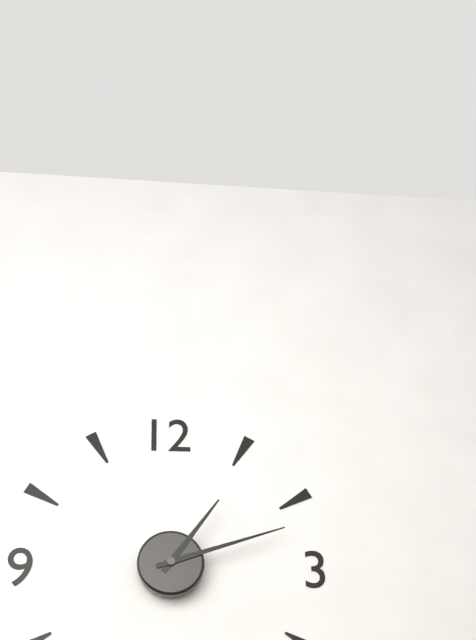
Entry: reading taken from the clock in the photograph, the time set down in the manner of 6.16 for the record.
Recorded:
1.12
